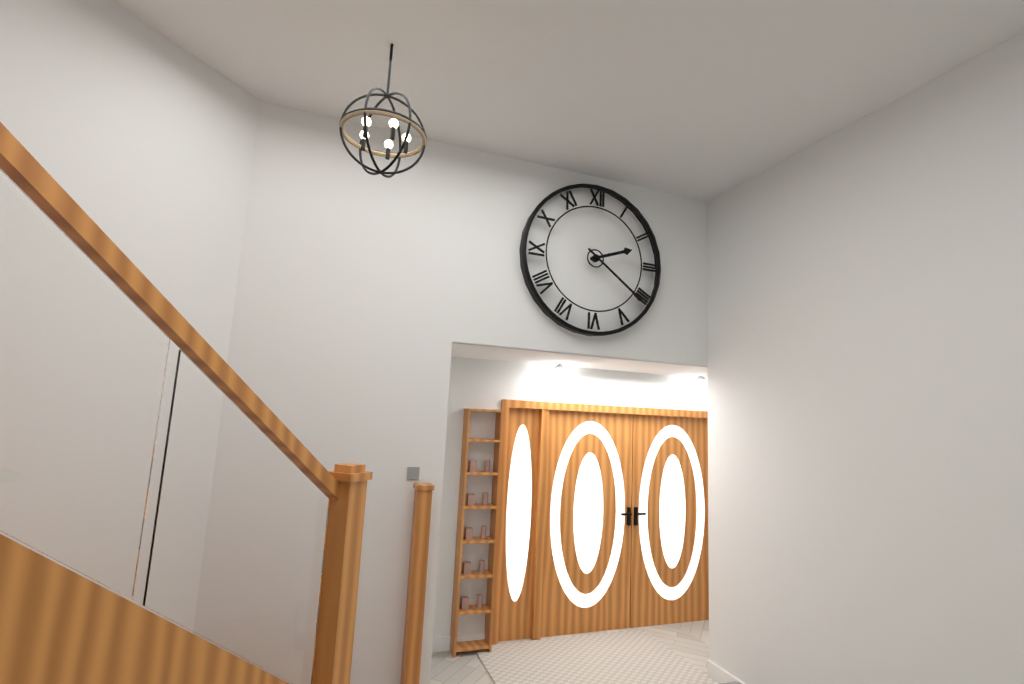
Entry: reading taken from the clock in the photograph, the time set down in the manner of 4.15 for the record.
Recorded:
2.21
